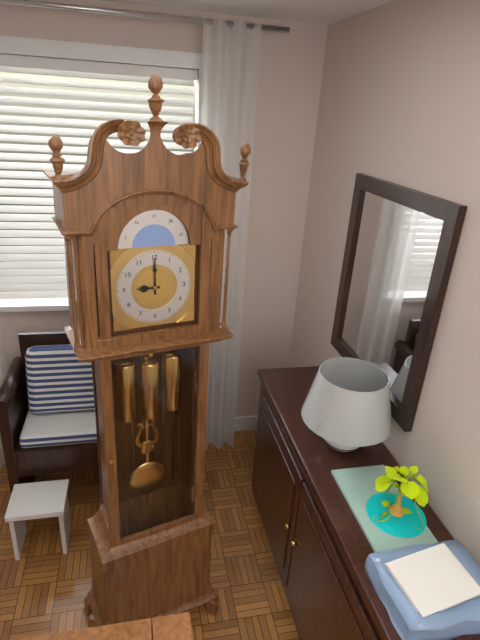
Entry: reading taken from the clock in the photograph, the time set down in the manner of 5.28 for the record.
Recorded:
9.00
